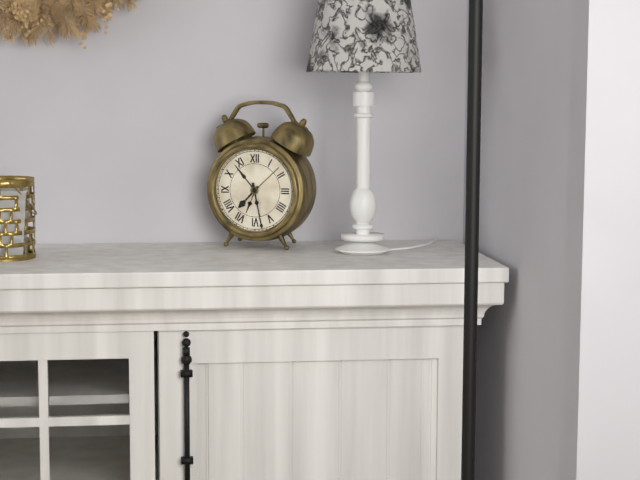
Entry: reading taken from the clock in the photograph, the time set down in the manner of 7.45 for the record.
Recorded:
7.28
